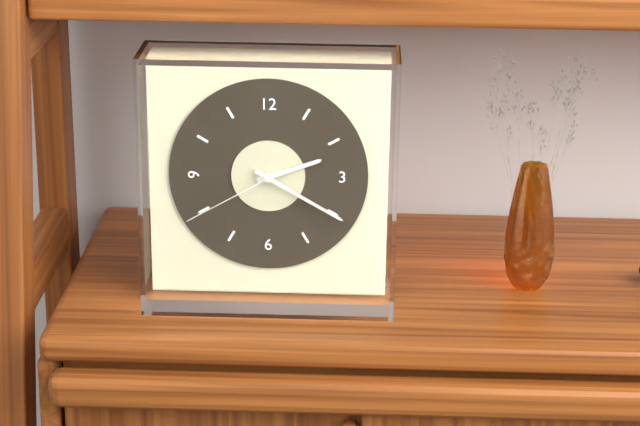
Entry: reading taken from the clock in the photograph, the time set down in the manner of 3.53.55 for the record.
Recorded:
2.20.40
